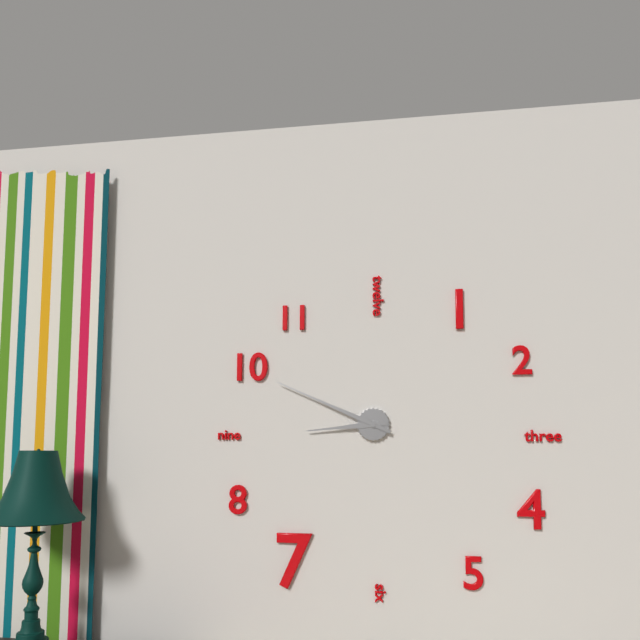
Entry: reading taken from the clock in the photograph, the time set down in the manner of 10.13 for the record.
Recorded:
8.49
